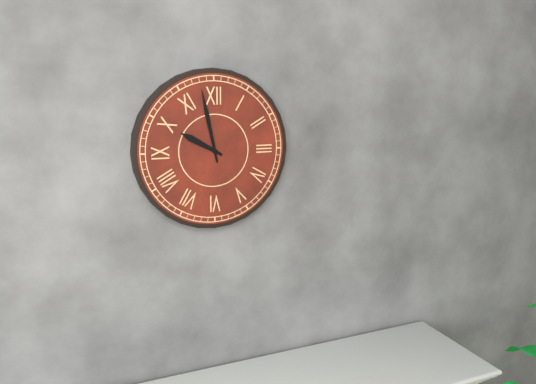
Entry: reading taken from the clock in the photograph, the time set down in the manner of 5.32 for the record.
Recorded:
9.58
